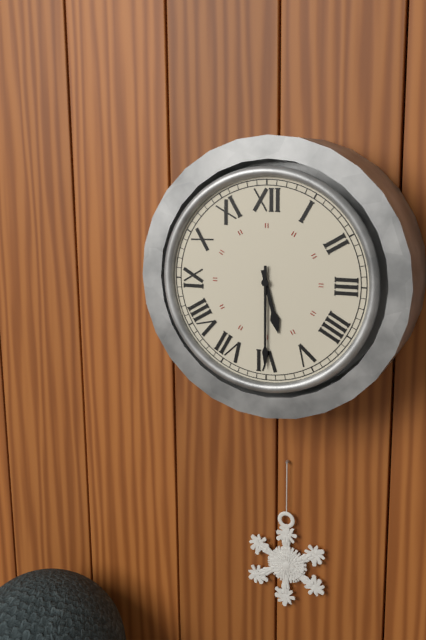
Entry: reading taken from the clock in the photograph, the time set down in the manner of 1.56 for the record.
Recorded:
5.30
